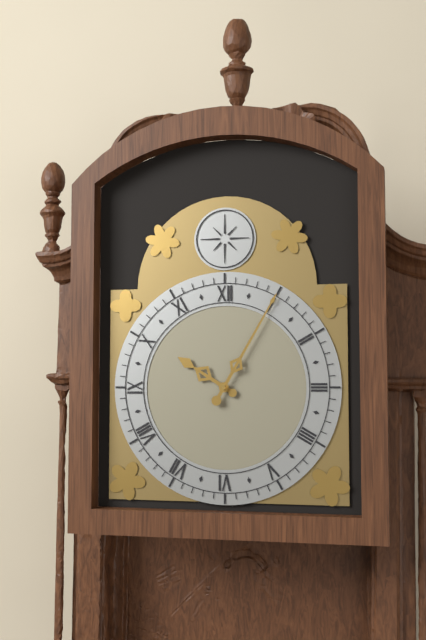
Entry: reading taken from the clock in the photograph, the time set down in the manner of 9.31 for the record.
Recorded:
10.05
